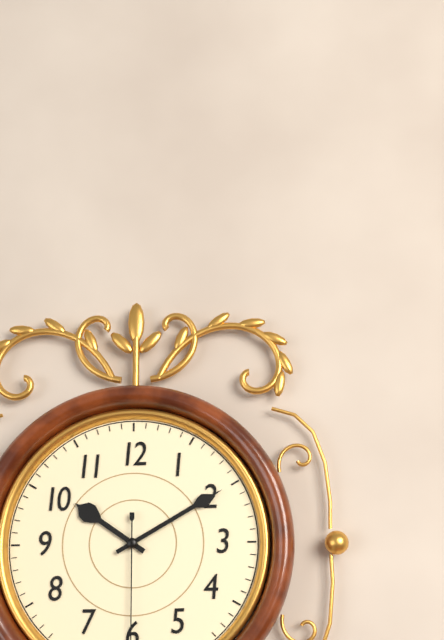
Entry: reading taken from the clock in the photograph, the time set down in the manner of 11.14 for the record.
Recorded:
10.10
